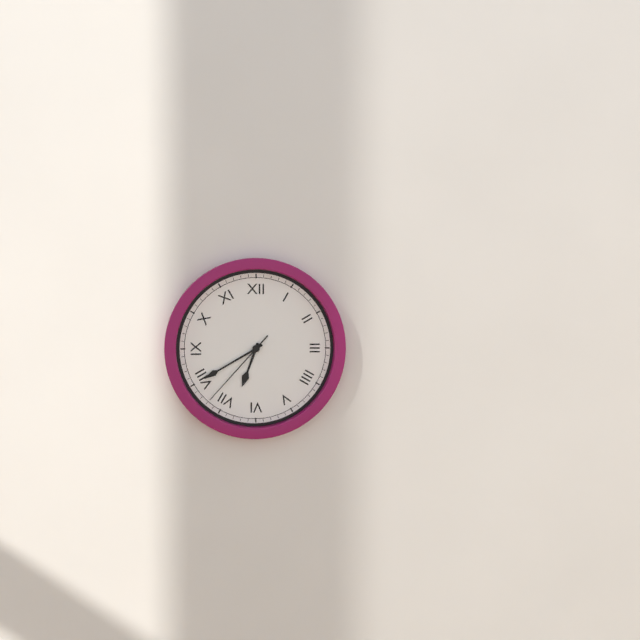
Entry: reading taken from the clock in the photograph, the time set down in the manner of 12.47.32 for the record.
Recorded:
6.40.37
